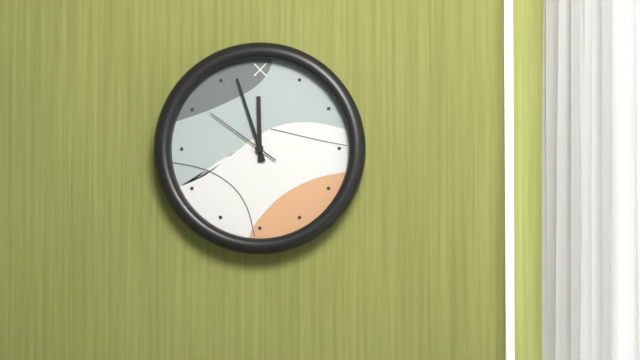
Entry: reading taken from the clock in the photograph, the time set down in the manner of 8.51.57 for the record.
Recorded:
11.57.51
